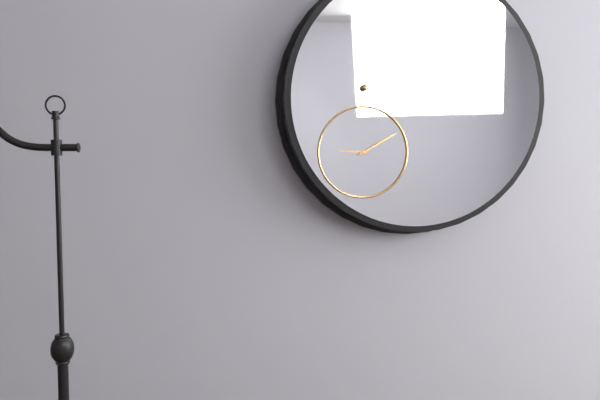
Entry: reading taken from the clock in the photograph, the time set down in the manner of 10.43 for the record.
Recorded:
9.10
